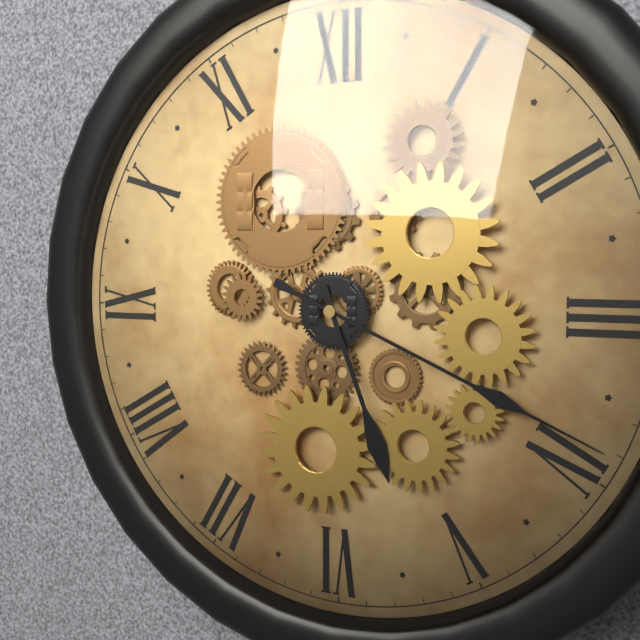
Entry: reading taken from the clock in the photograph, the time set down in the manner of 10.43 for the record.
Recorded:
5.19
